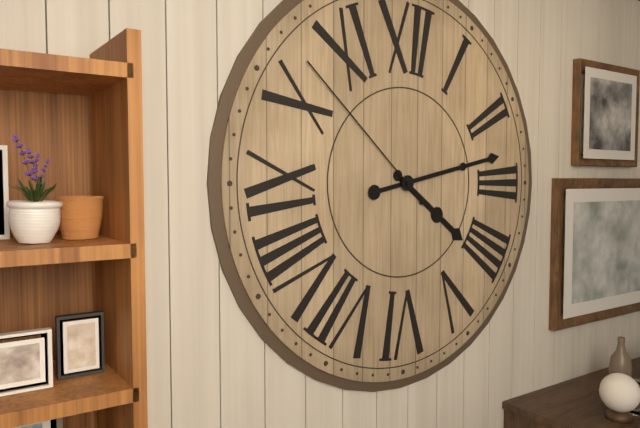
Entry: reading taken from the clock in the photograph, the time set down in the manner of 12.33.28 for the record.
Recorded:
4.13.52
